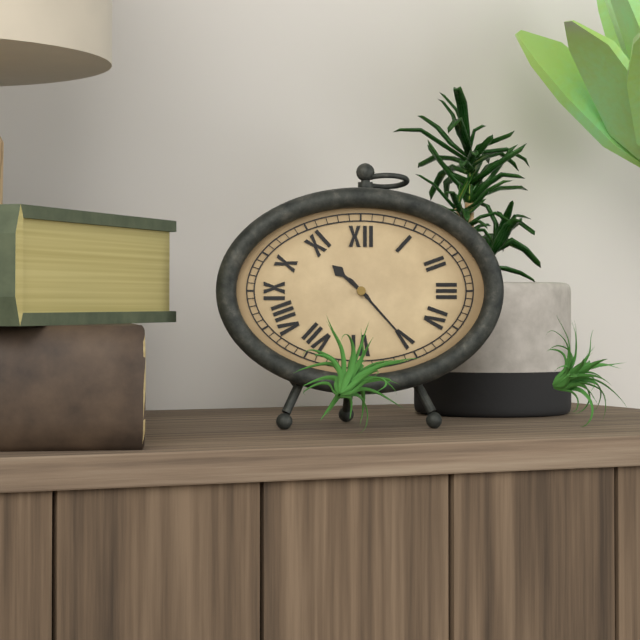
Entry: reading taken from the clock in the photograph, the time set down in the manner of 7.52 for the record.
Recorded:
10.23
